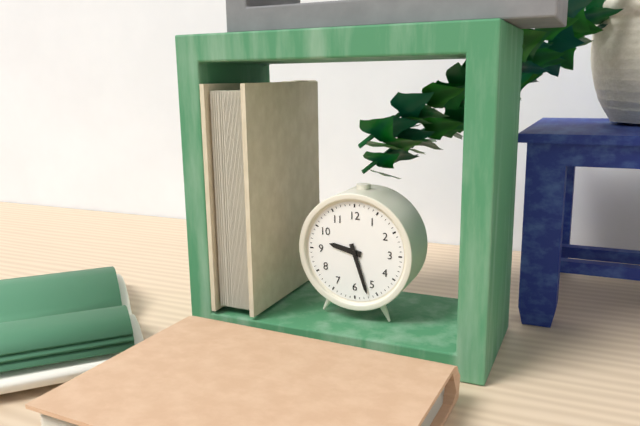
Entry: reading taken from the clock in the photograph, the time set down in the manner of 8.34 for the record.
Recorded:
9.27
